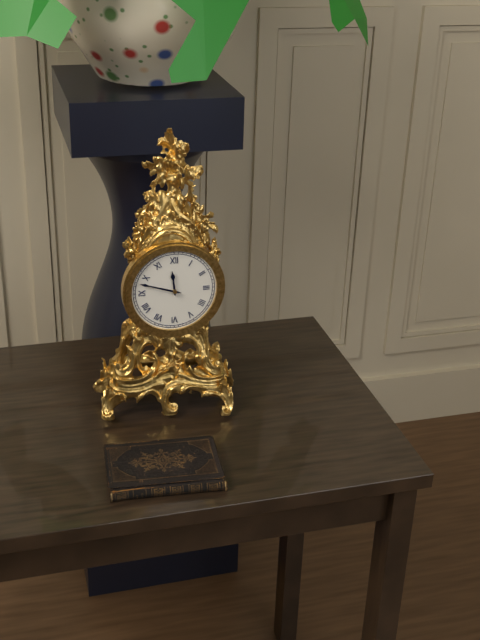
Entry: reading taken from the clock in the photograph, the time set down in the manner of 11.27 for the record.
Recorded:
11.48
